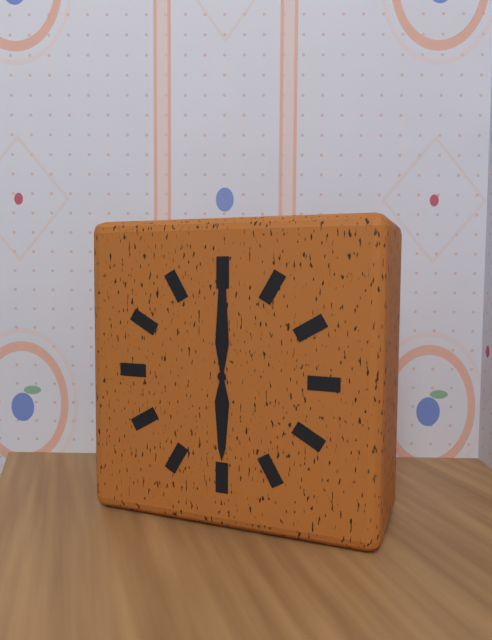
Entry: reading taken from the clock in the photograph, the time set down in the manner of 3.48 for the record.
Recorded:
6.00
